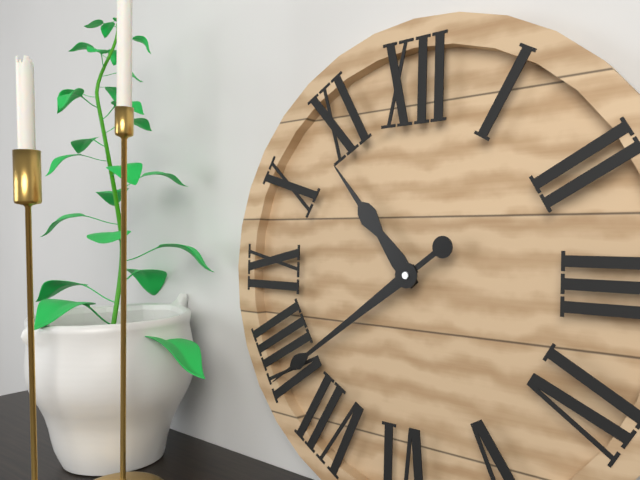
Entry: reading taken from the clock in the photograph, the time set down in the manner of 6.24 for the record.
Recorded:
10.39
